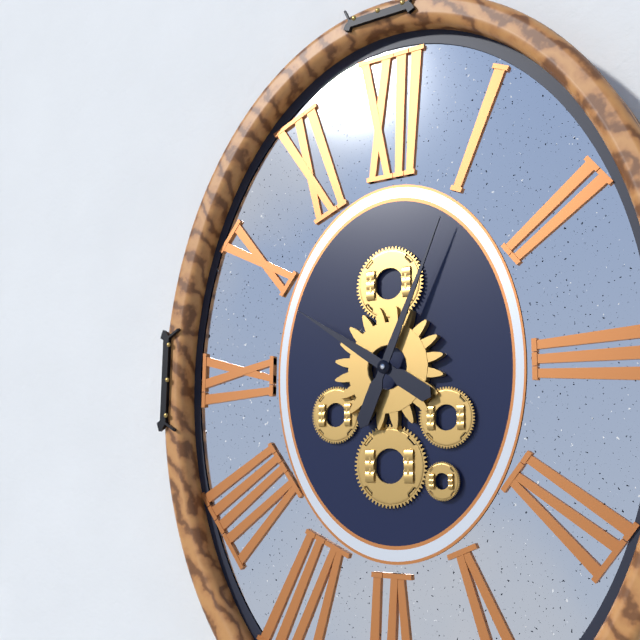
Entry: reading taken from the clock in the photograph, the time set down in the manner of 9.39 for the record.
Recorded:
10.04
